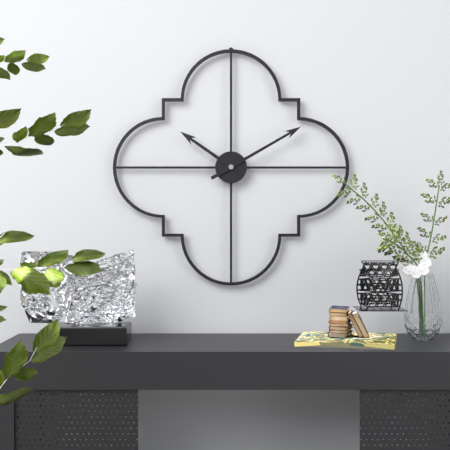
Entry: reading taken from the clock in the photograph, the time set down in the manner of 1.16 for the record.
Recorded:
10.10
